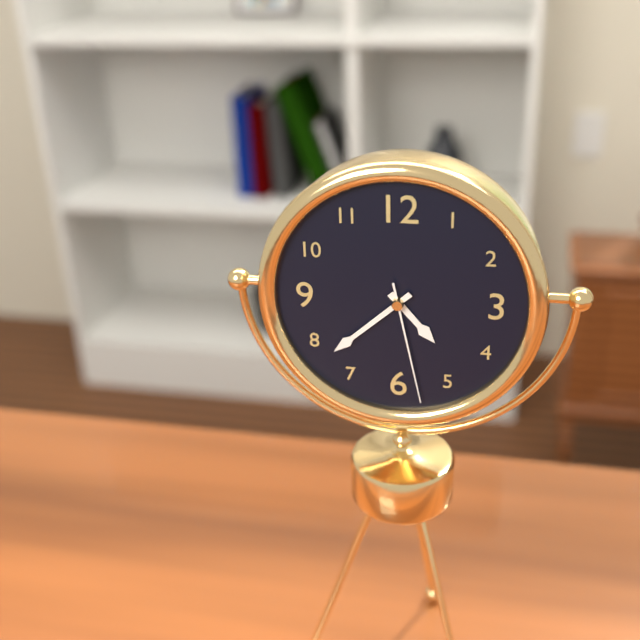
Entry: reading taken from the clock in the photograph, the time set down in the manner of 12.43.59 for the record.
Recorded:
4.38.28
